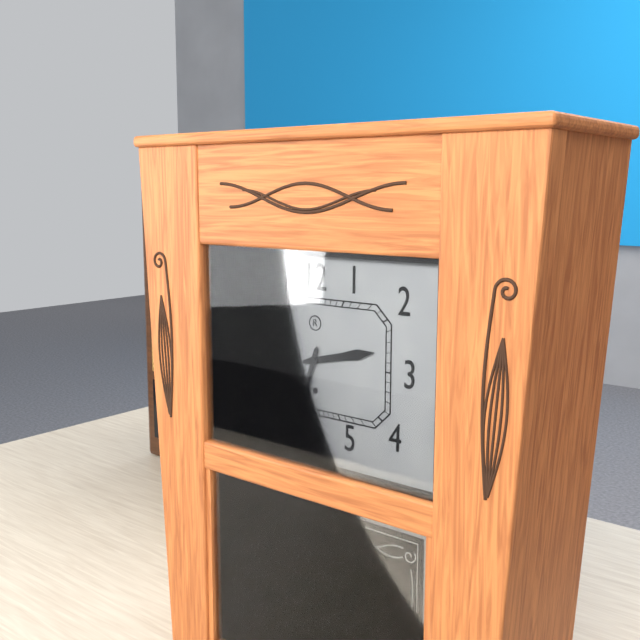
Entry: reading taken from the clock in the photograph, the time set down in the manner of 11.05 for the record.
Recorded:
2.33
